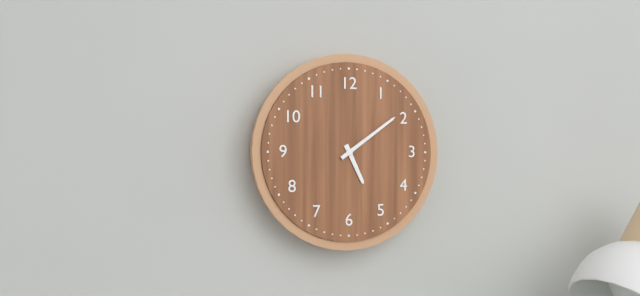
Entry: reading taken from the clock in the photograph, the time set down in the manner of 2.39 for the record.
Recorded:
5.09
